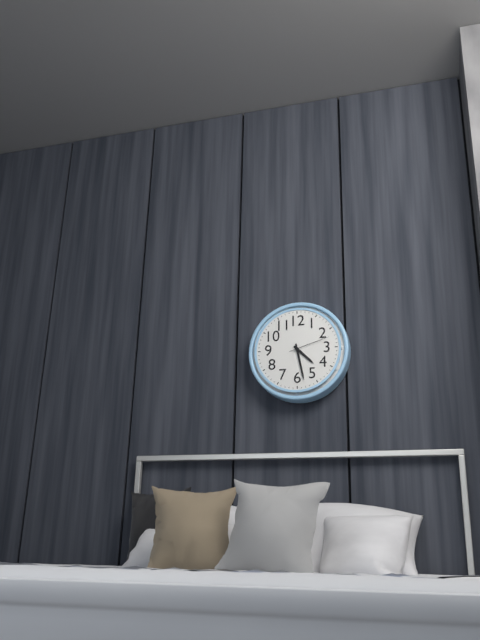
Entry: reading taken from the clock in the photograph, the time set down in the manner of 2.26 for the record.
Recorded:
4.28
